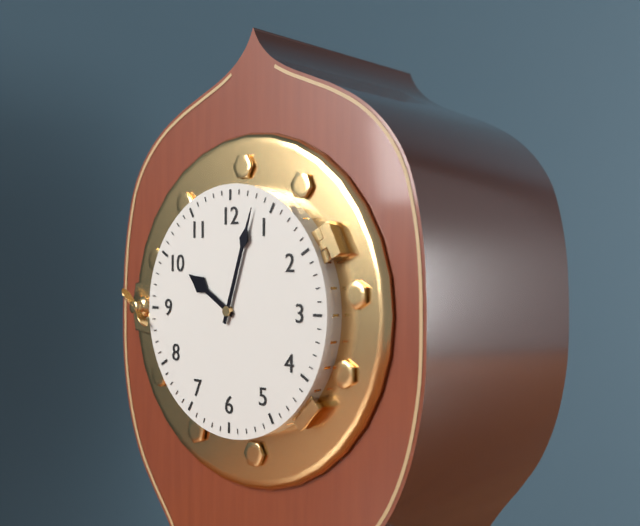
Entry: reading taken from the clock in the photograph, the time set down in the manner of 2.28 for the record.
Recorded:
10.03
